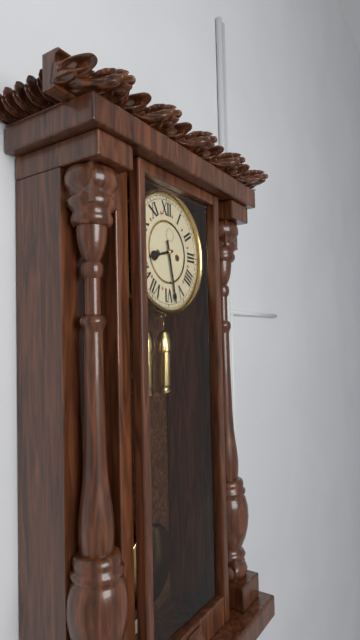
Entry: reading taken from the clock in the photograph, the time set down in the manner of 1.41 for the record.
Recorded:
8.28
